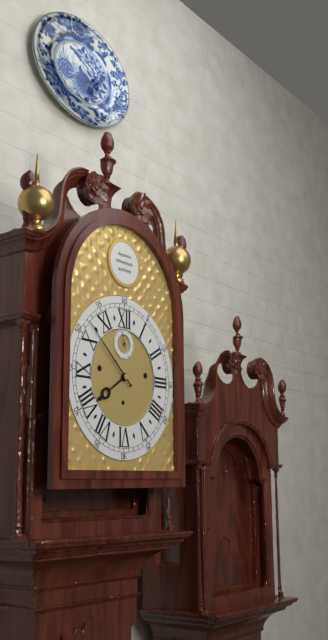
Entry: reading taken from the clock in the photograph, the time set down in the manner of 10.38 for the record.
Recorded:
7.52
